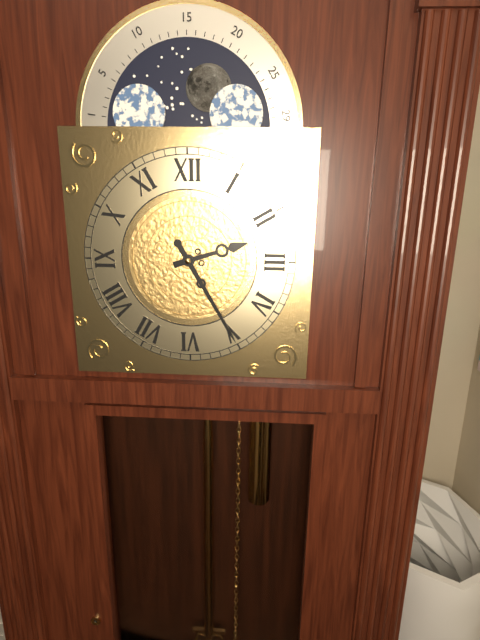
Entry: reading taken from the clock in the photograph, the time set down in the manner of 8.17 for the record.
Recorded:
2.25
